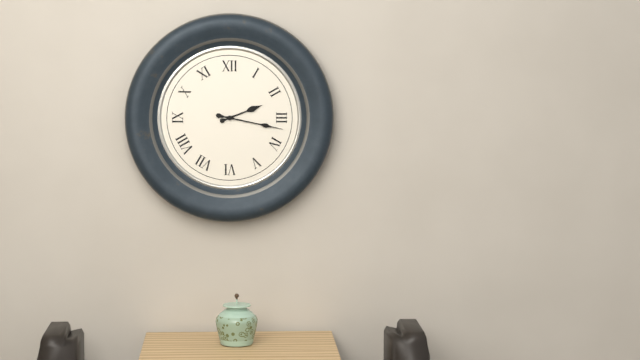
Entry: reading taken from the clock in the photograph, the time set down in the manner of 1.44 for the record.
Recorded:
2.17
